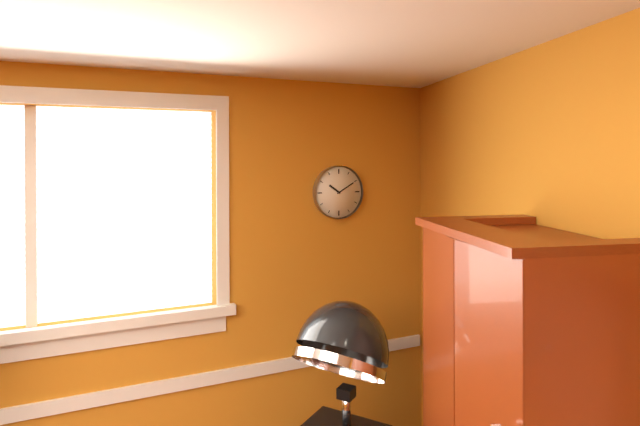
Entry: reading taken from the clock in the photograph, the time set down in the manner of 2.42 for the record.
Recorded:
10.10
